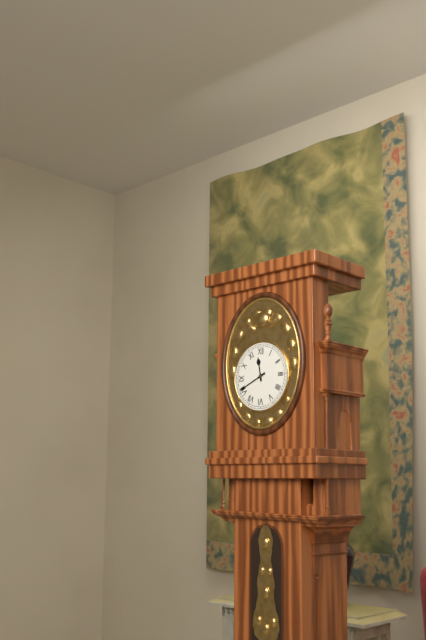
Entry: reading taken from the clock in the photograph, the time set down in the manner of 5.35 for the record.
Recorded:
11.41
